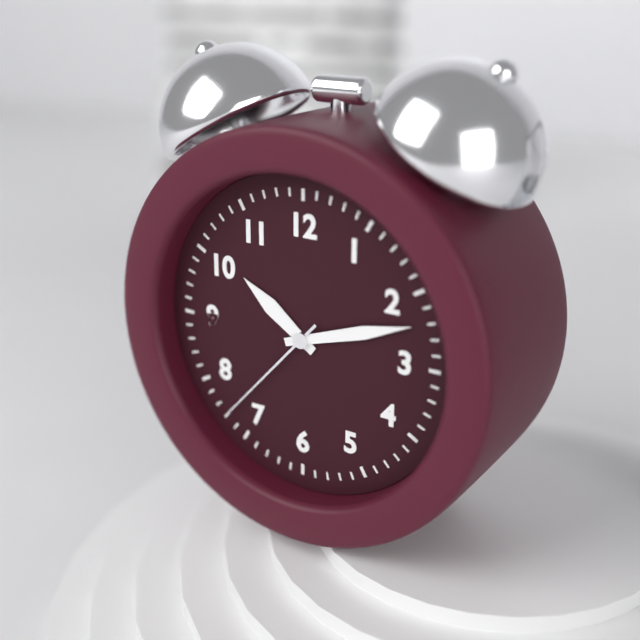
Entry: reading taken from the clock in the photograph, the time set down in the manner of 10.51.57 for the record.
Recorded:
10.12.37
